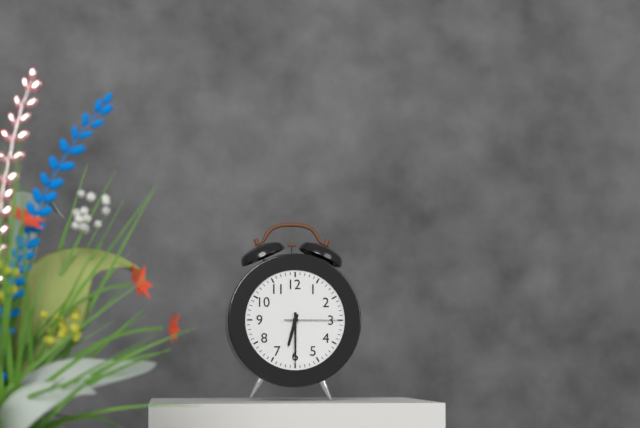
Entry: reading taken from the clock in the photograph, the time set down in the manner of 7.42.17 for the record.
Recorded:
6.30.15
